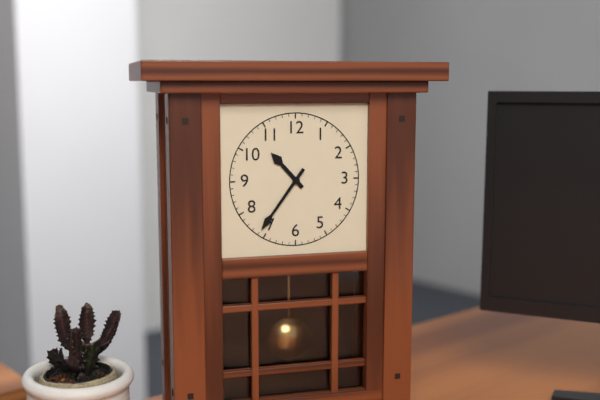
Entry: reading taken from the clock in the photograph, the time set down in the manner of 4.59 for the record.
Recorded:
10.36
